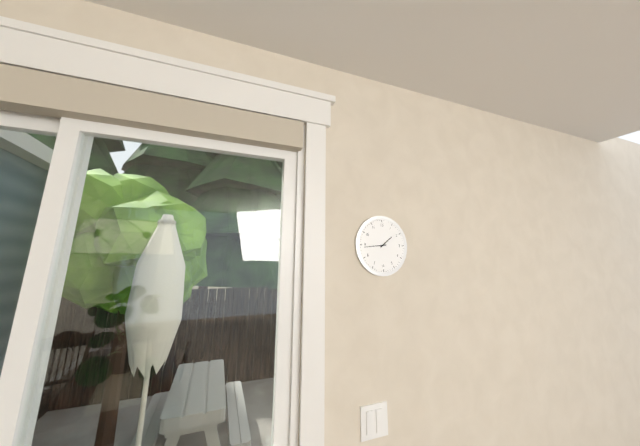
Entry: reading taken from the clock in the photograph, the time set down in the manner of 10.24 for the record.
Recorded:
1.44
